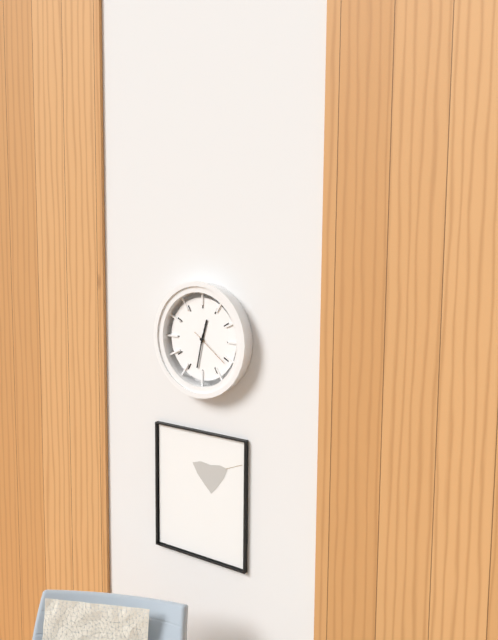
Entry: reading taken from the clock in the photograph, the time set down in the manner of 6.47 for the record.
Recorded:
12.32
